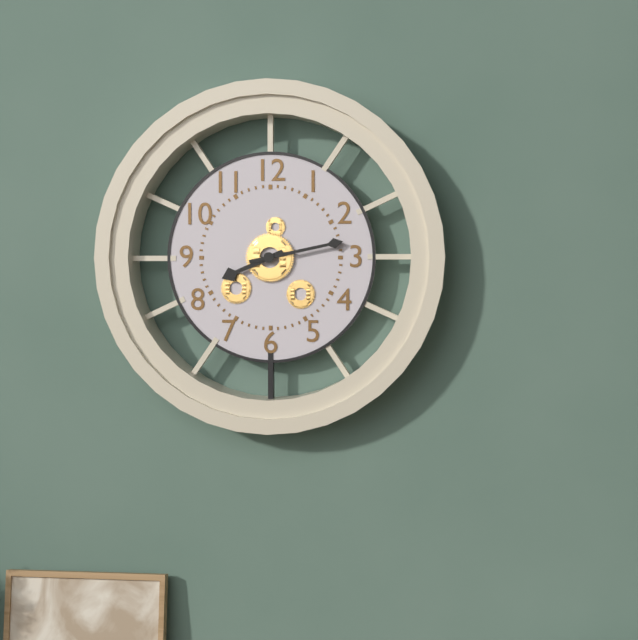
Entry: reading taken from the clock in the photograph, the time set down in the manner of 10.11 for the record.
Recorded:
8.13
